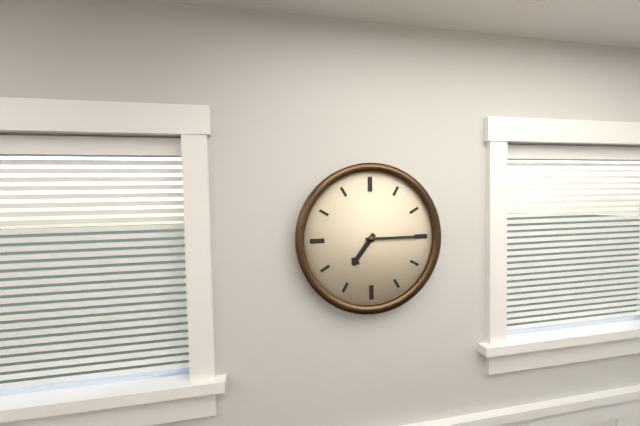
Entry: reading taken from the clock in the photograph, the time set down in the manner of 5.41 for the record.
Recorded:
7.15
